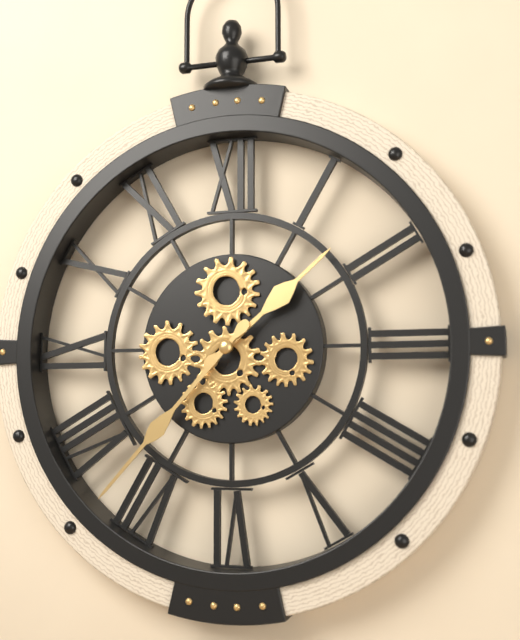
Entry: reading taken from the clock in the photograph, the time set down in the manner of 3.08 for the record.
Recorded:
1.37
